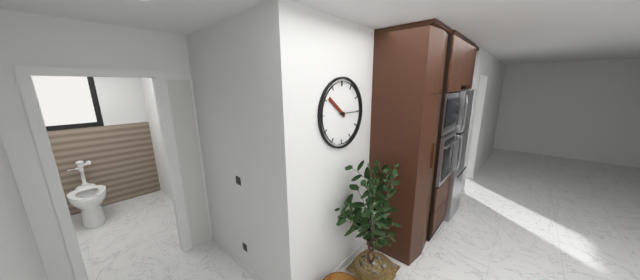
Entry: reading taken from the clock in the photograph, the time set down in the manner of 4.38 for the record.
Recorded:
10.15
